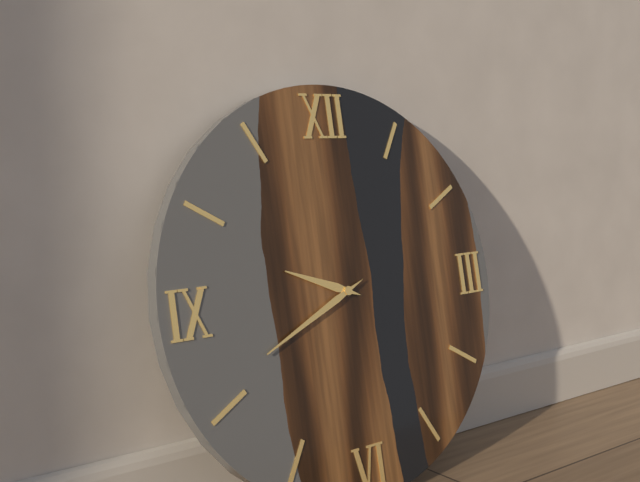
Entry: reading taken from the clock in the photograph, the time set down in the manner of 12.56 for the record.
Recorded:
9.41
